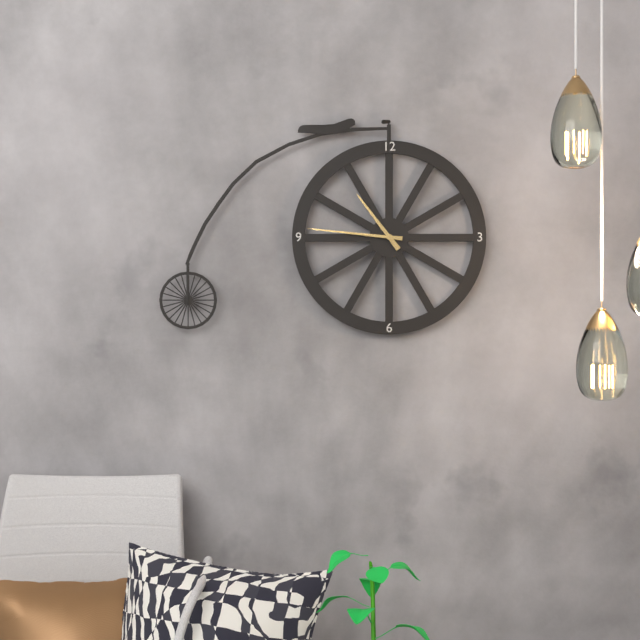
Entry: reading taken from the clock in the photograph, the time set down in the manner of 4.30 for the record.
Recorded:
10.46
